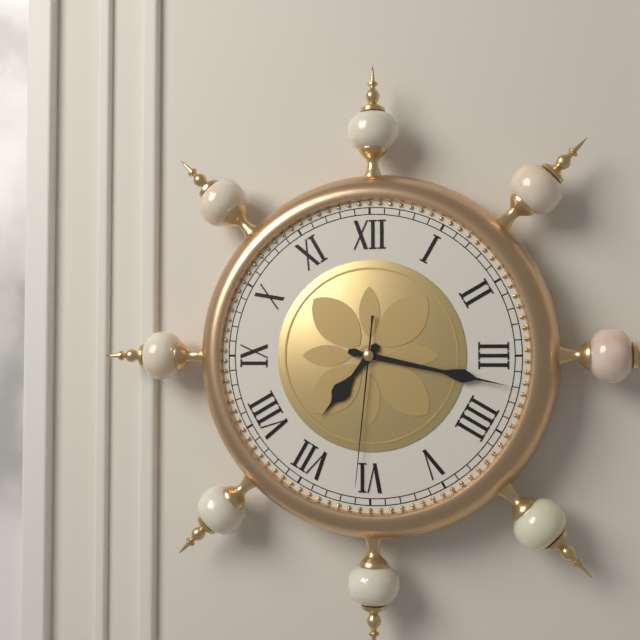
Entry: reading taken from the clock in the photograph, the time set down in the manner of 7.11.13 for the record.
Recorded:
7.17.31
